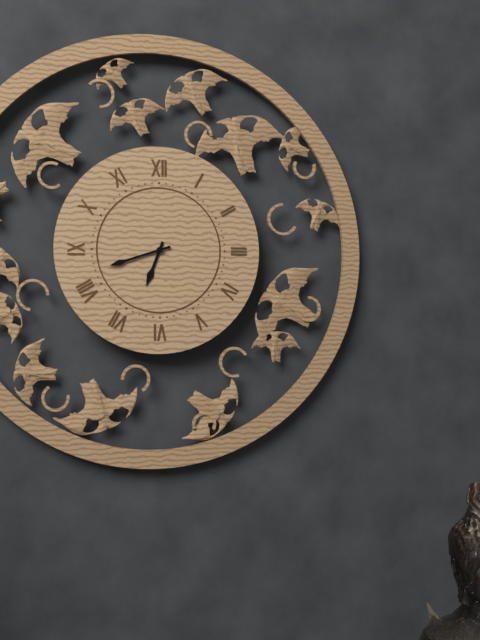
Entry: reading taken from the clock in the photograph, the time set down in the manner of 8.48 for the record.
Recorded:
6.42
